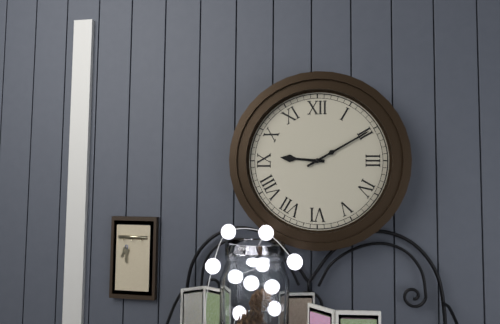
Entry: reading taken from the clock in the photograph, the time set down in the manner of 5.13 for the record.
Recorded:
9.10
